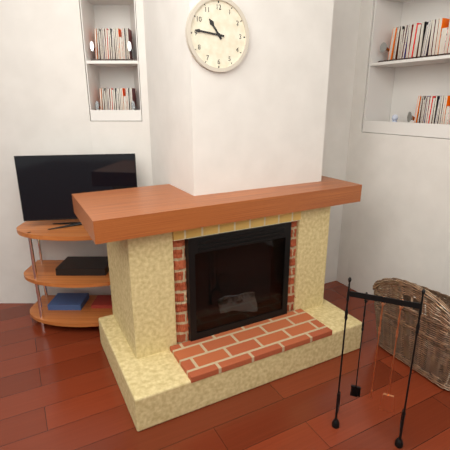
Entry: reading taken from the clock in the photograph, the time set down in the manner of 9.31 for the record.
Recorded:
10.46
